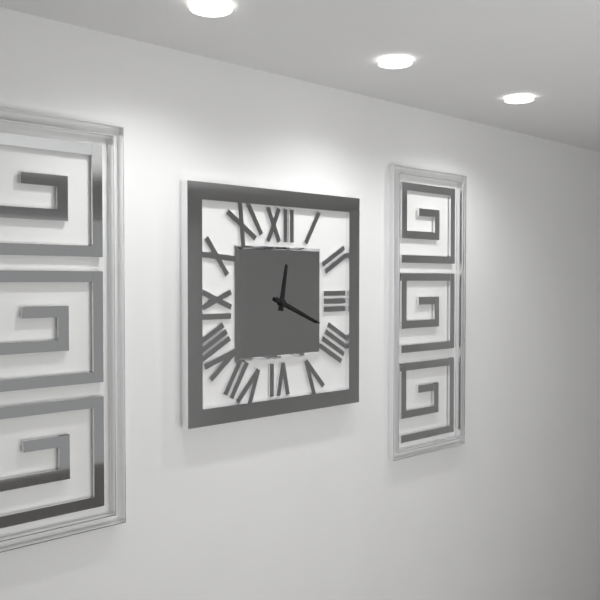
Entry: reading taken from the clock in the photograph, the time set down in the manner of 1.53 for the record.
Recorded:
12.19
